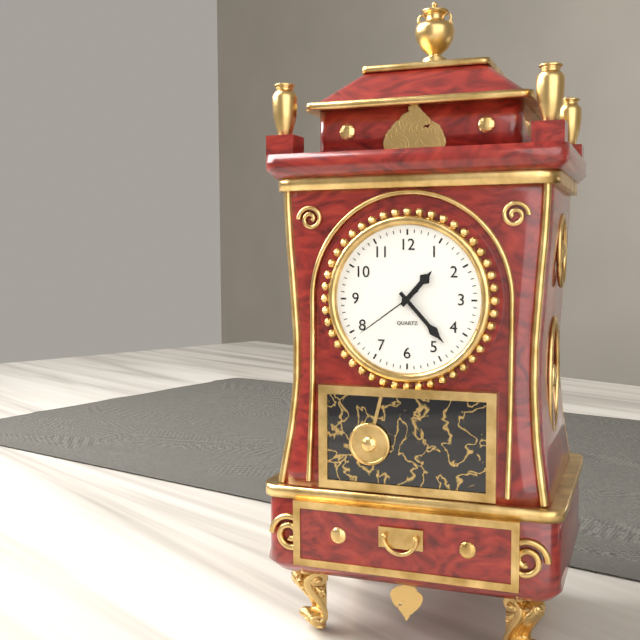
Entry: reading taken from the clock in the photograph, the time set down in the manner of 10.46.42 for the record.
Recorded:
1.23.39
